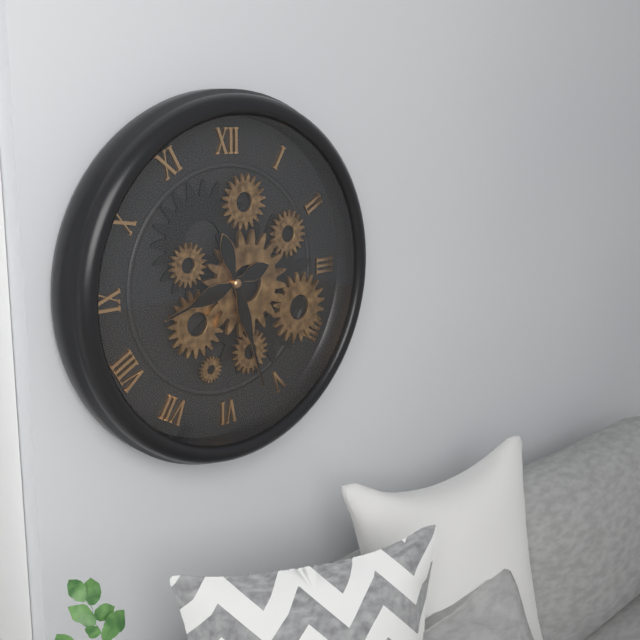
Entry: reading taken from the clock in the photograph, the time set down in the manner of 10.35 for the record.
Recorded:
8.27
